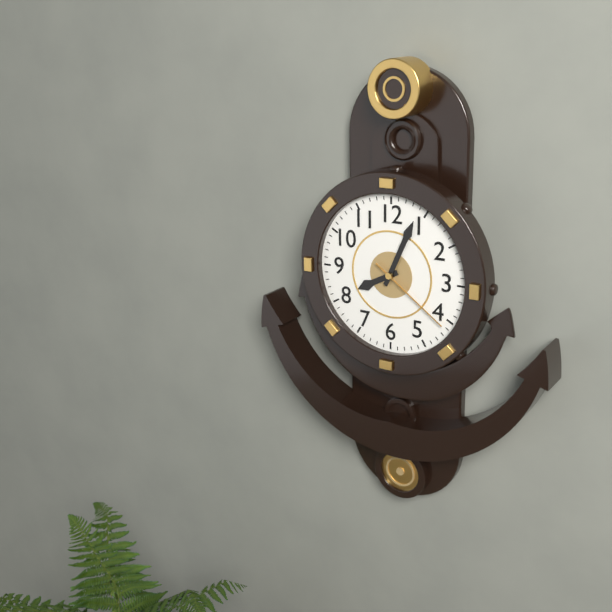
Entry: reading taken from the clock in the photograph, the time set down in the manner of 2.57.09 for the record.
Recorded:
8.04.21
